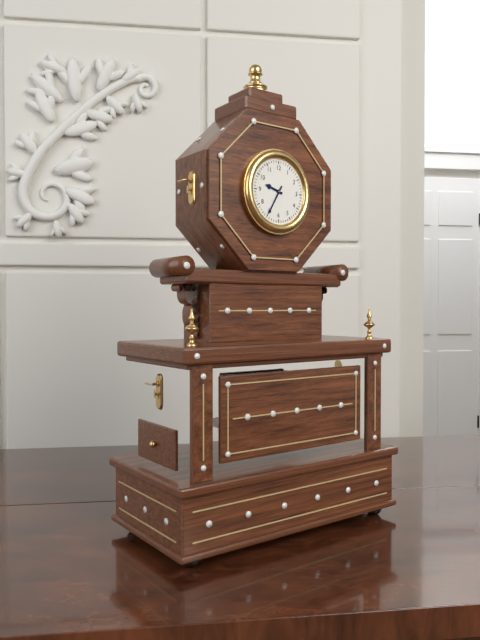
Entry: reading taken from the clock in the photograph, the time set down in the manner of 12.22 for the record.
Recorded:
9.35
